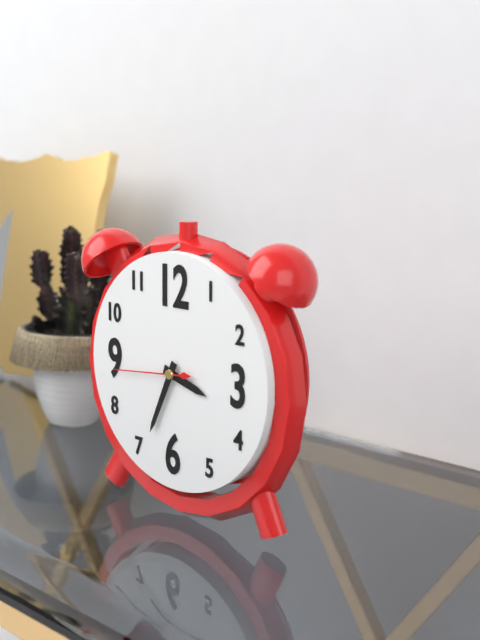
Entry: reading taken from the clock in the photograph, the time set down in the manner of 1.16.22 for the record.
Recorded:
3.34.44
